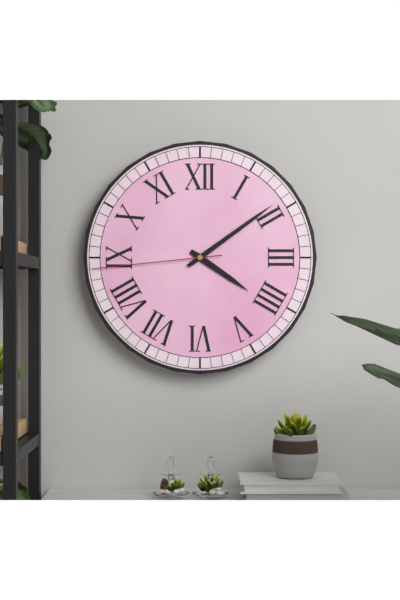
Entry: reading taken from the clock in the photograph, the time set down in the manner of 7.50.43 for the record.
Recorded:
4.09.44
